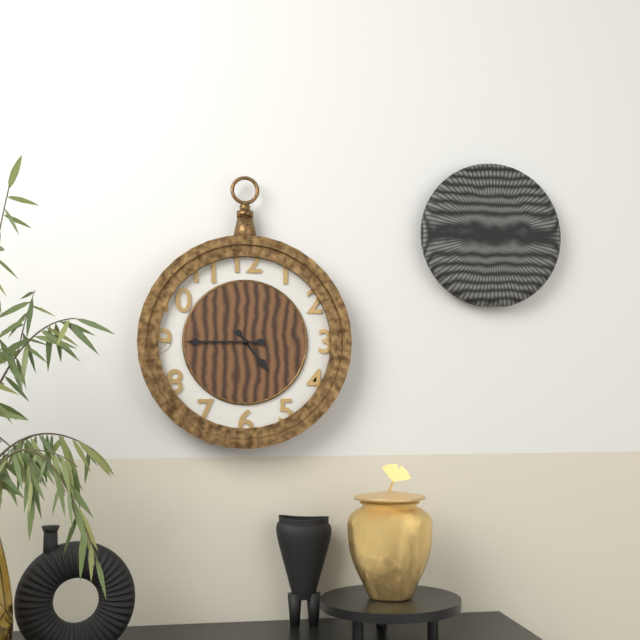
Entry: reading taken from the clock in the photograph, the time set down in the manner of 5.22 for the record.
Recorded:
4.45
